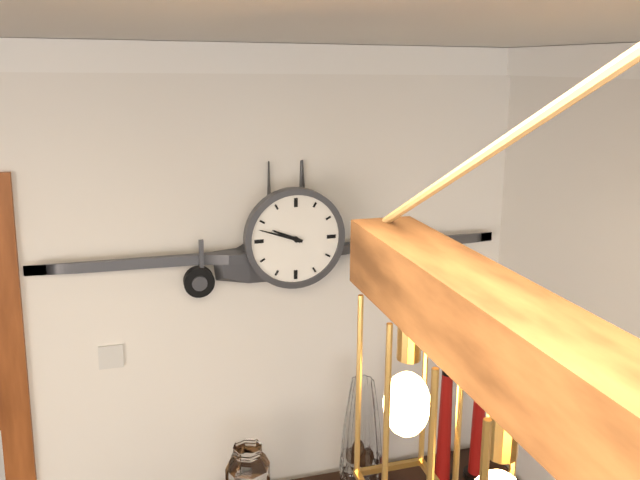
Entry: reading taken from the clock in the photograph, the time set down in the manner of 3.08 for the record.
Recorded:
9.48
